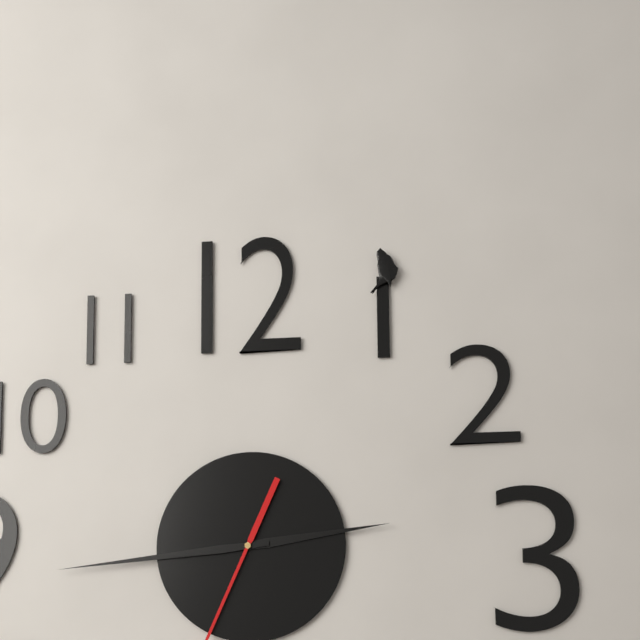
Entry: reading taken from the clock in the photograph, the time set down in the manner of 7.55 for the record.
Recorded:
2.44
